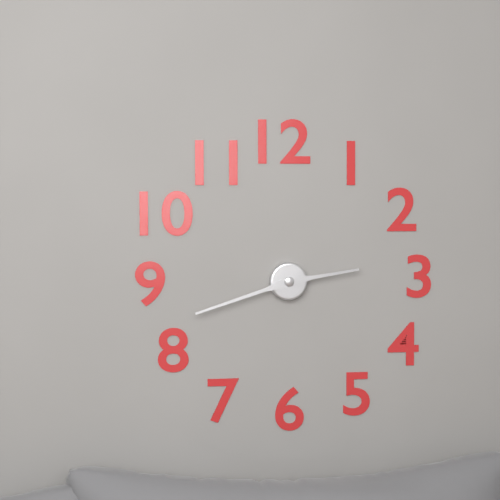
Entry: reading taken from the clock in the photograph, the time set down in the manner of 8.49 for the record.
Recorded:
2.42
